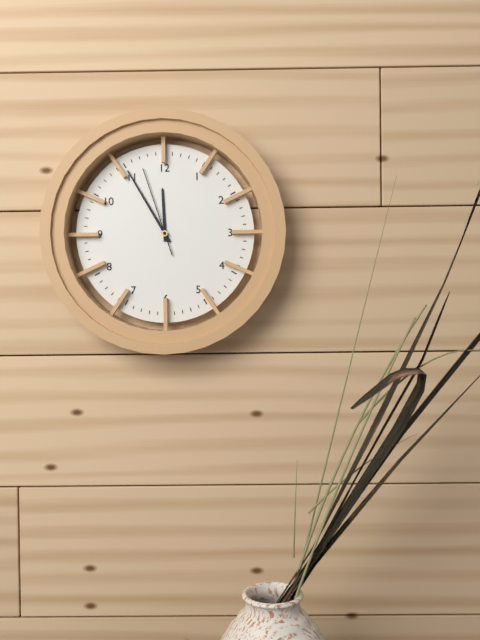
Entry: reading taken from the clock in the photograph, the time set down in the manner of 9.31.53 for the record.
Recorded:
11.55.57
